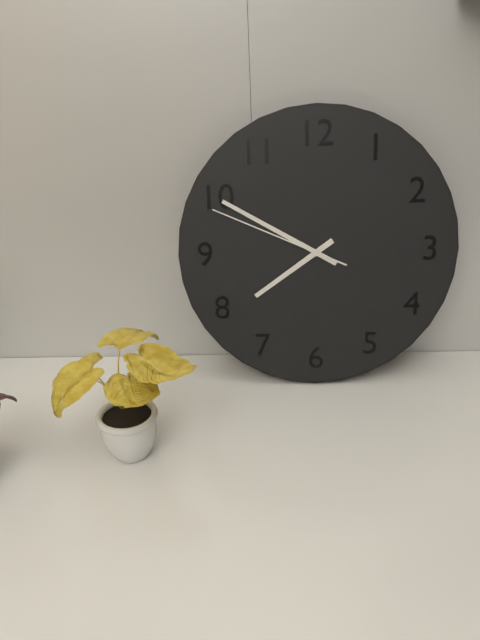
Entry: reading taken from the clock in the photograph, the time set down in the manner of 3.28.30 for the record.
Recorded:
7.50.49
